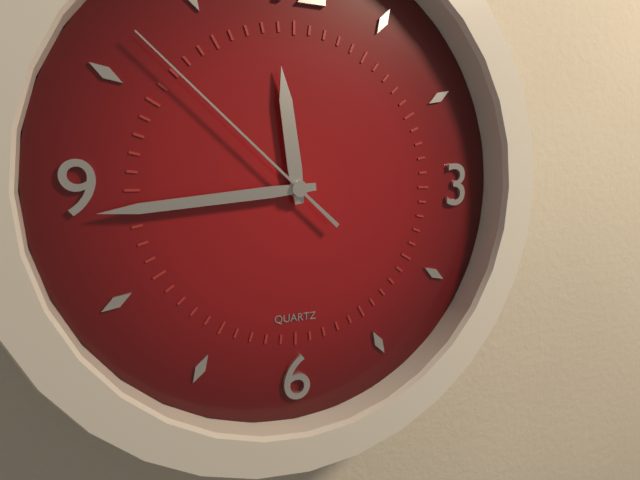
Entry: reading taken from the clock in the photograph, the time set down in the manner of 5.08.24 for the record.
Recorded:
11.44.52
